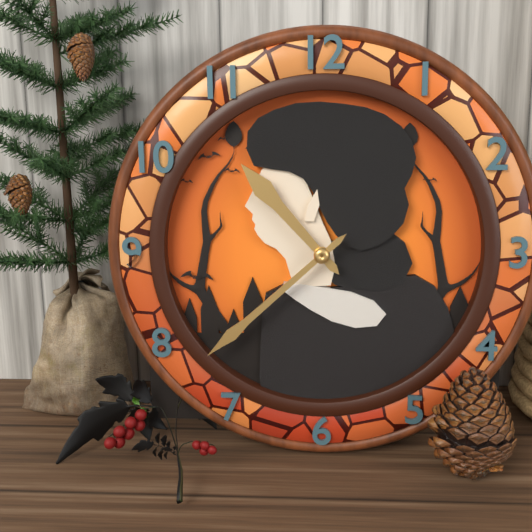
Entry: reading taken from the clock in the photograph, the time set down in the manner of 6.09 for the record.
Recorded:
10.38
